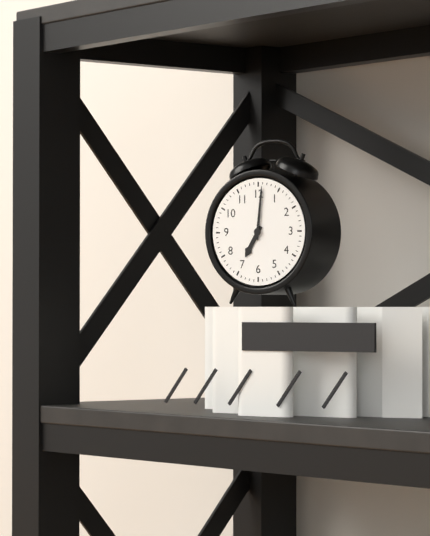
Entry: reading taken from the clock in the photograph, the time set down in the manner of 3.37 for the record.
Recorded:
7.01
